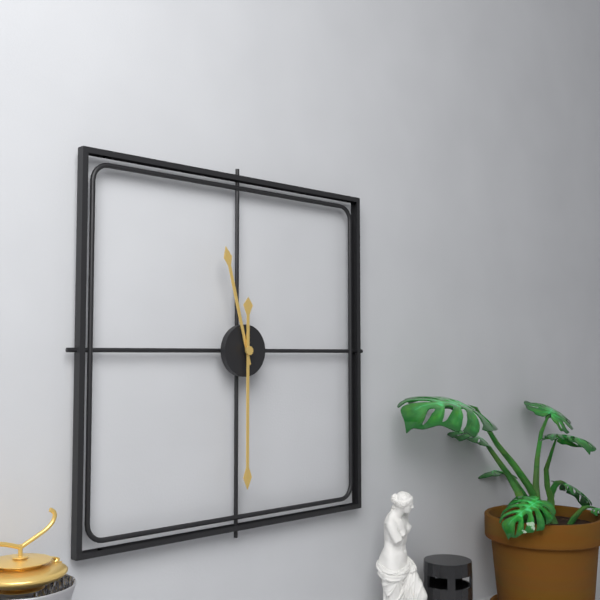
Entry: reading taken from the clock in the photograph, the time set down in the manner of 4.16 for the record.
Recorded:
11.30
